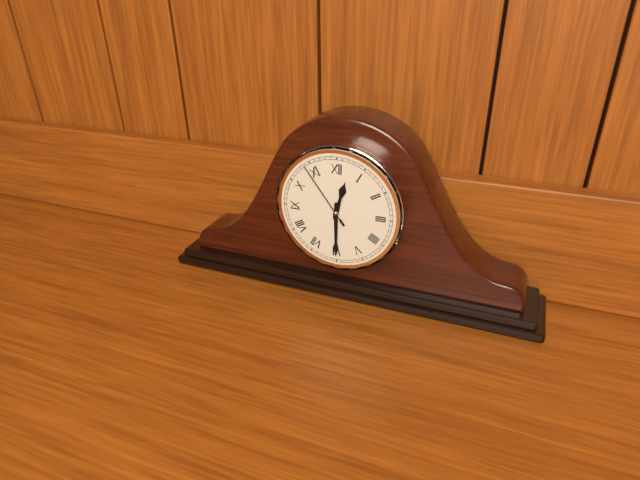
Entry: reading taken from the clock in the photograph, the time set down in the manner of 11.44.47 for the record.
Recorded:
12.30.54
